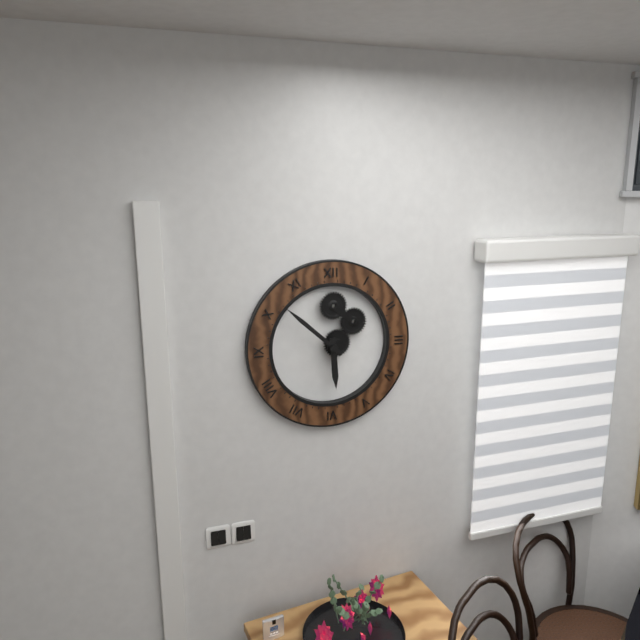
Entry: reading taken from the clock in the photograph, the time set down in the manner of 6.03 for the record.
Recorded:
5.52
